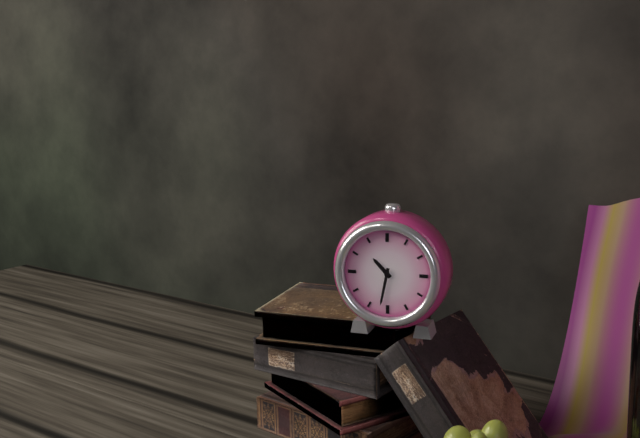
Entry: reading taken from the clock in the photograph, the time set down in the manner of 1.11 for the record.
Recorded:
10.32
